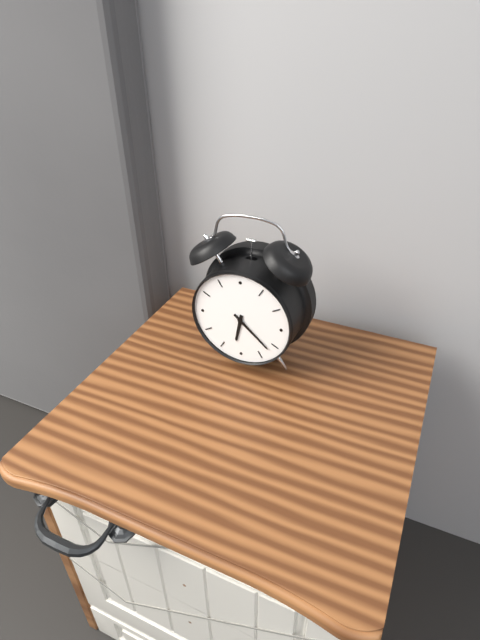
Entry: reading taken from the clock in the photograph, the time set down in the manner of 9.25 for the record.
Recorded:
6.22
